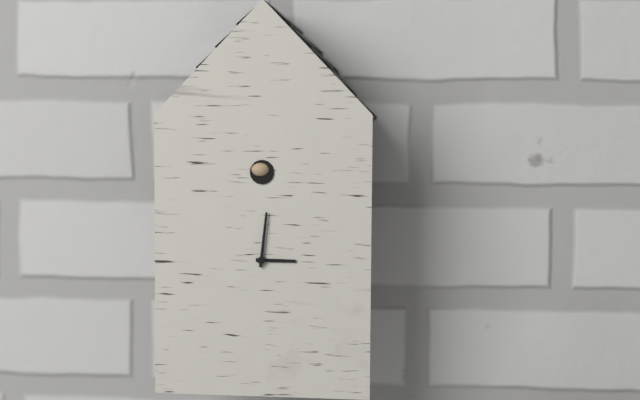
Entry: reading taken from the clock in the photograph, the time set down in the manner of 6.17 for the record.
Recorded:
3.01
